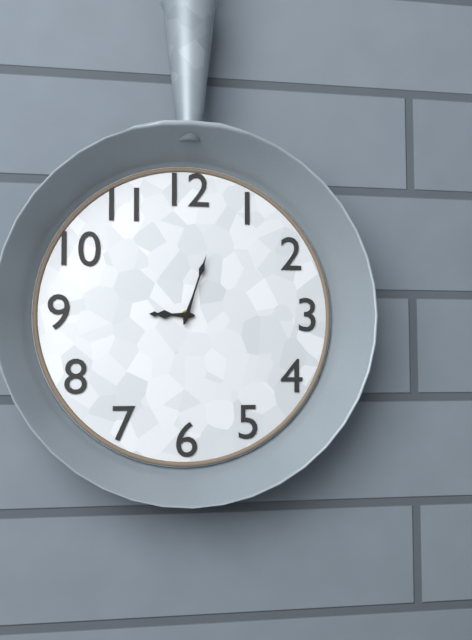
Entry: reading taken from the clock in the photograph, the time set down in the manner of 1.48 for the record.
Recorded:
9.03
